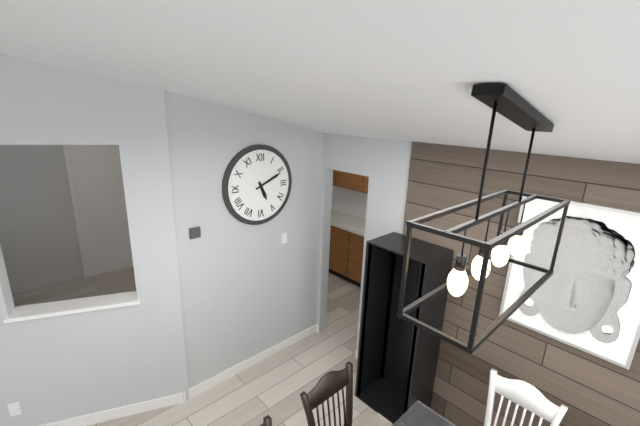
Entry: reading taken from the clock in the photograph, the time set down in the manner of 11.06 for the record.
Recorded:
5.11
